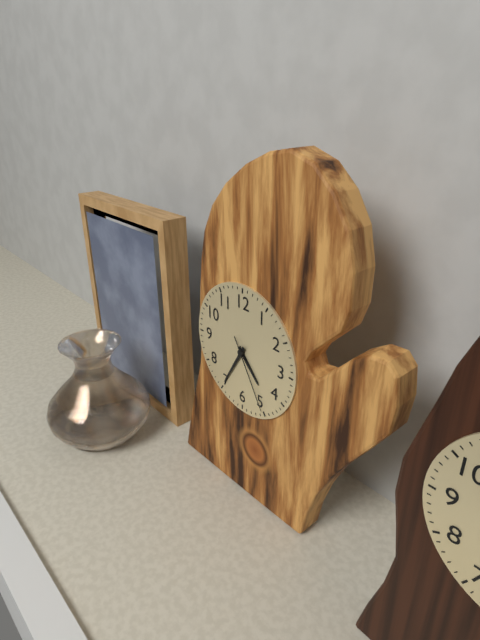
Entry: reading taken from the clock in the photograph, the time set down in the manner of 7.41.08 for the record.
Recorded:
4.35.25
